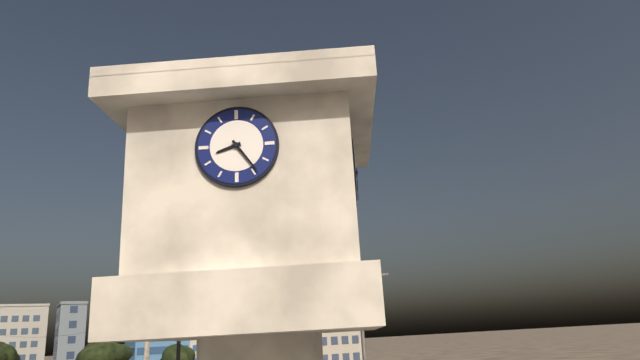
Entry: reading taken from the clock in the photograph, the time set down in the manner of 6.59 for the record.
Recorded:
8.24
